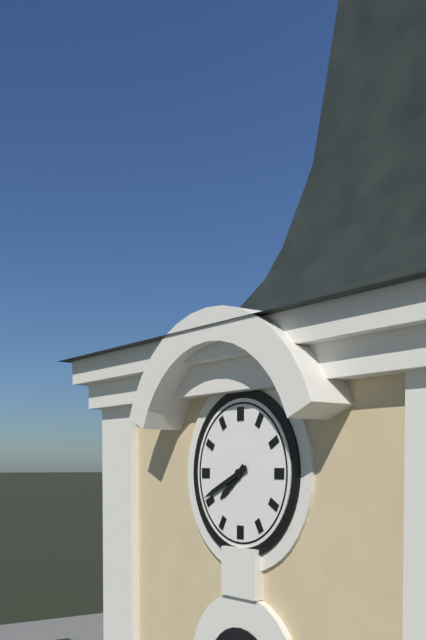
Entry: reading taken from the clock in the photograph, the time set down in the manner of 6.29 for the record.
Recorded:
7.41
